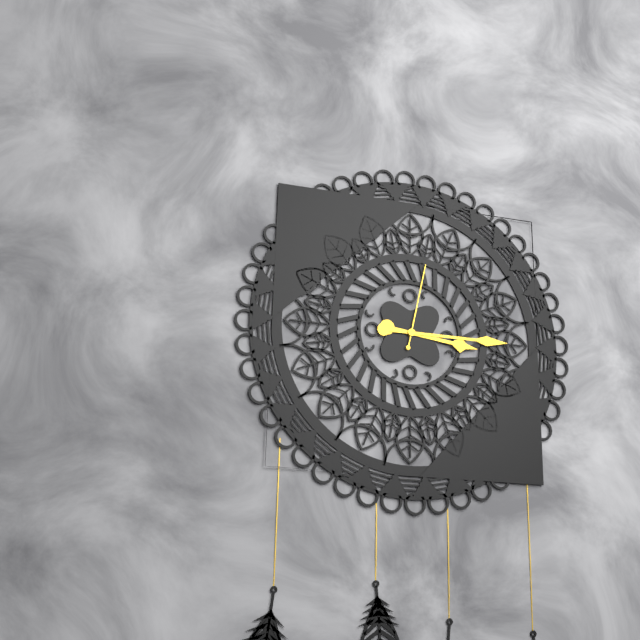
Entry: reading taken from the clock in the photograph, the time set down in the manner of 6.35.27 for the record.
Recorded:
3.15.02
